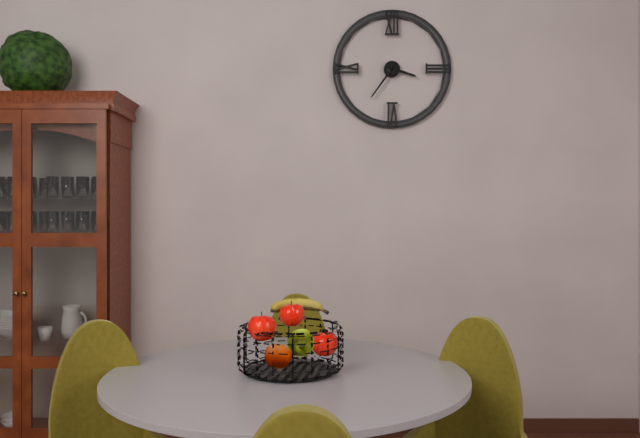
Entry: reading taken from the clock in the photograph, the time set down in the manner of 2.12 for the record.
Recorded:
3.36
